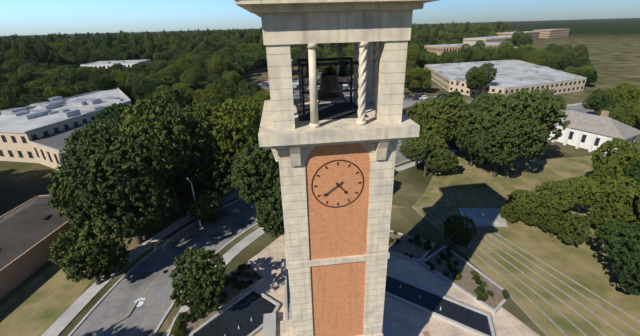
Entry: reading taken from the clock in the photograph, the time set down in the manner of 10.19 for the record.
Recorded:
4.39
